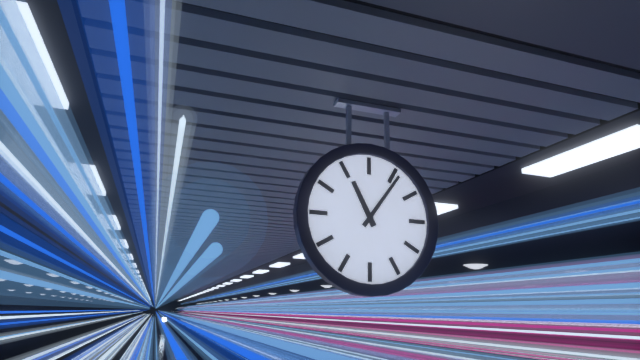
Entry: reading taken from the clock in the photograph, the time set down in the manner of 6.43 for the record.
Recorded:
11.06
